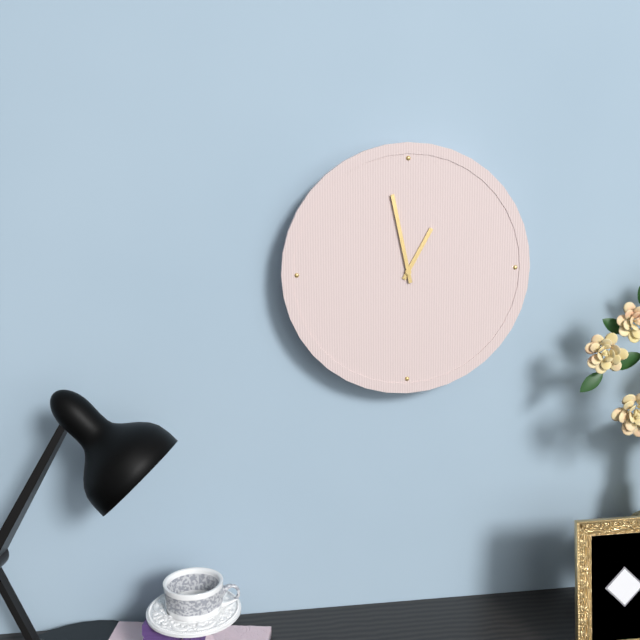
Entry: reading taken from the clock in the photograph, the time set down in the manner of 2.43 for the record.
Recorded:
12.58
